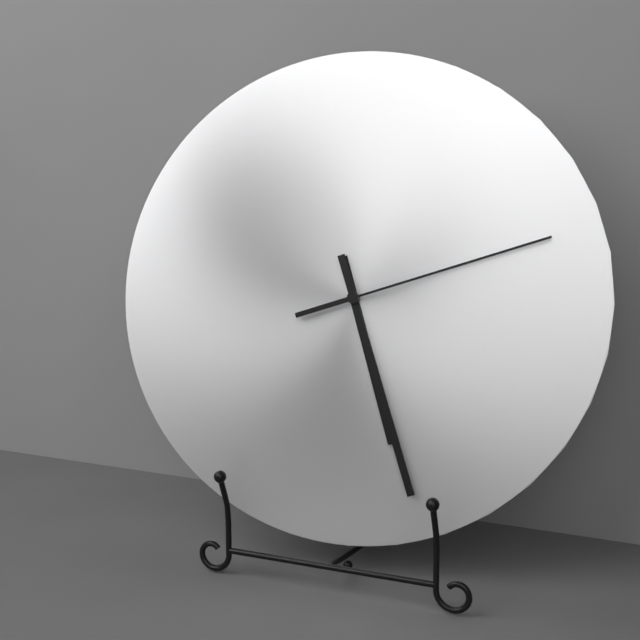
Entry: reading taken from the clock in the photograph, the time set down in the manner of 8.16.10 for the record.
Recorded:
5.27.12
